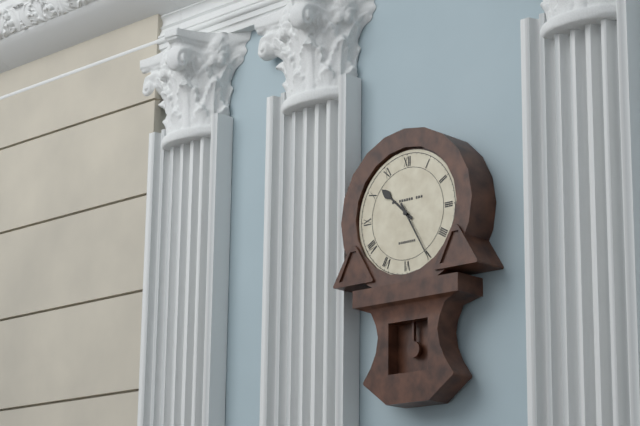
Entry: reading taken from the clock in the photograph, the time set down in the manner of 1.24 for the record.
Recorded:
10.25
